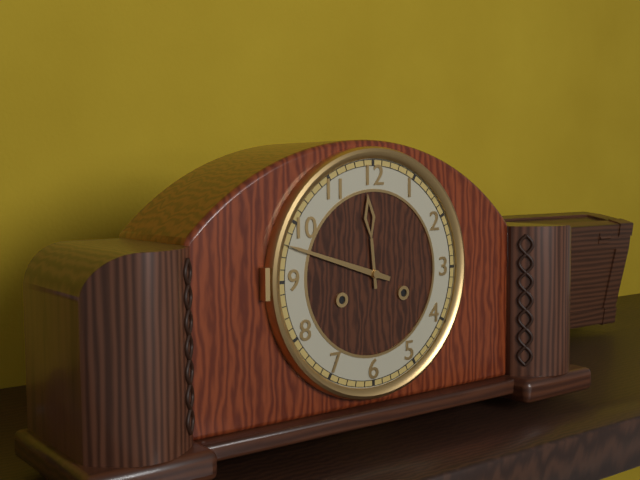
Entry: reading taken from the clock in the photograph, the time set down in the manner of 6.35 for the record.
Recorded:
11.48
